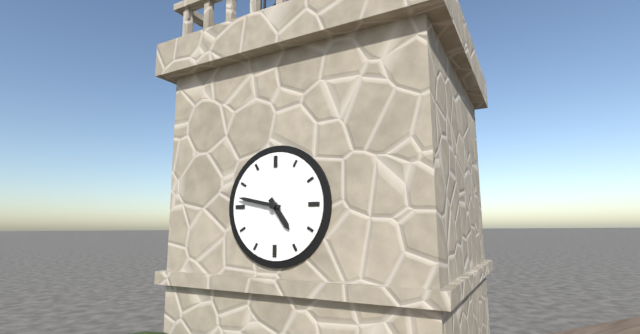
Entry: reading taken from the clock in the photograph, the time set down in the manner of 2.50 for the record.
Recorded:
4.47
